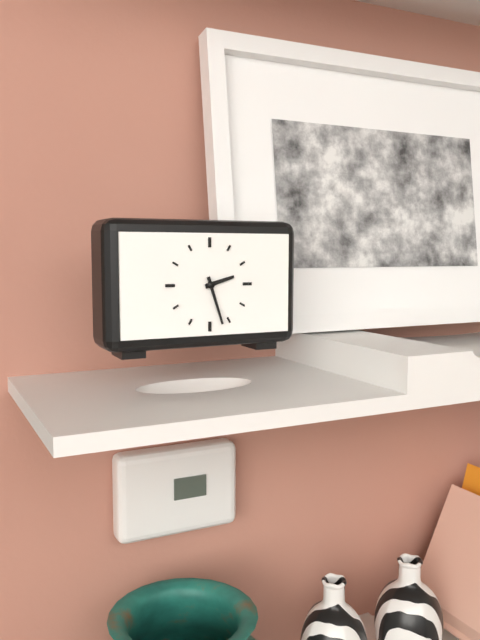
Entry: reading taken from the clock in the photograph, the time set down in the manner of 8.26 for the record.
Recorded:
2.27
